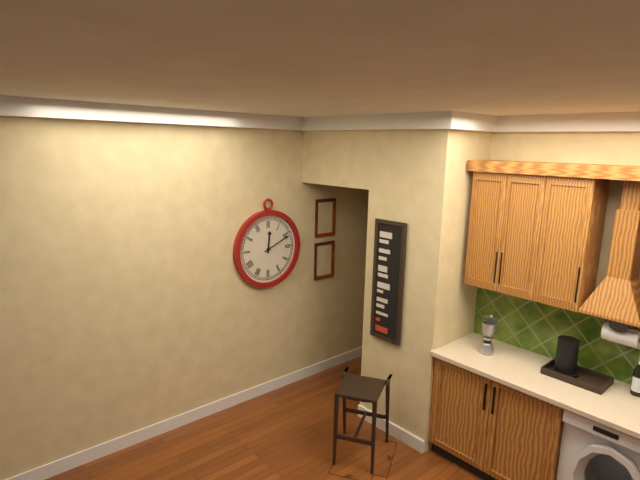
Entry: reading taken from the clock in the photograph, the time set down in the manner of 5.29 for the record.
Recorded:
12.11
